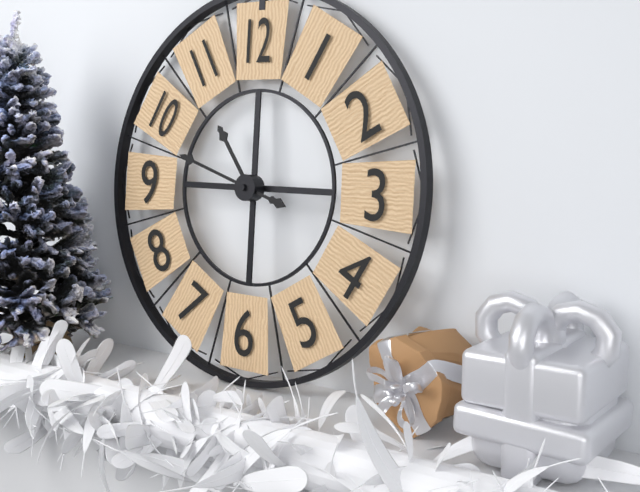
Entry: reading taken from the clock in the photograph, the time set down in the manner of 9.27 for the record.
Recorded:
10.48
